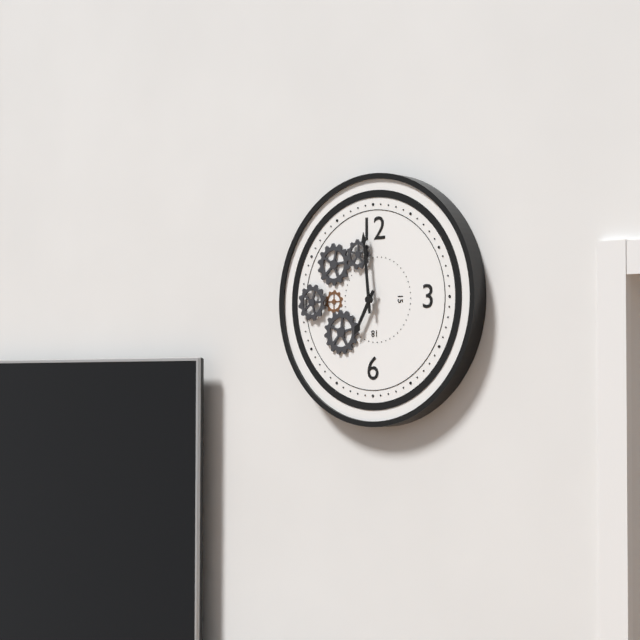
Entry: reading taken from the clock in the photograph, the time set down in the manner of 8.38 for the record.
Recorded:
6.59
